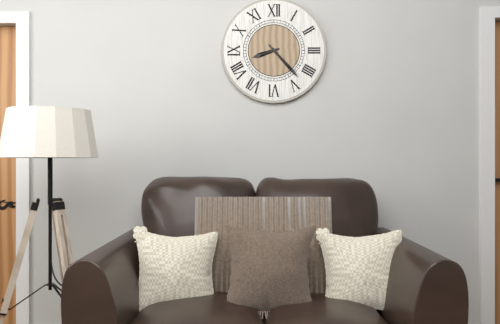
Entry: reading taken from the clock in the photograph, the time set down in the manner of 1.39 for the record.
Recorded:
8.23
